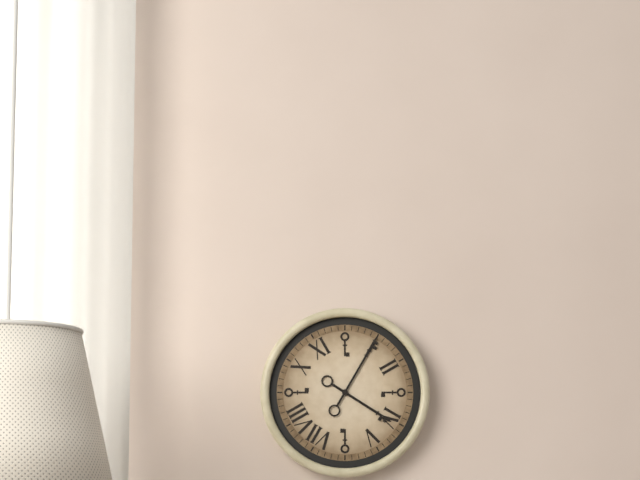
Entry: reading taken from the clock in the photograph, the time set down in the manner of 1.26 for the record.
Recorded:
4.05
